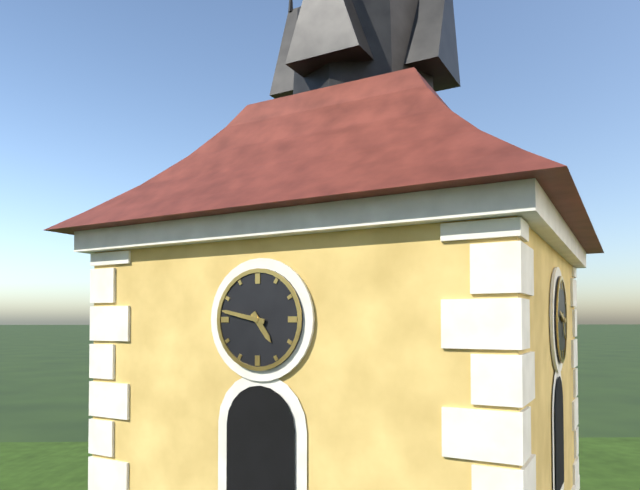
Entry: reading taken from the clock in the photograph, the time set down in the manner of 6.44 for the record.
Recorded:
4.47
